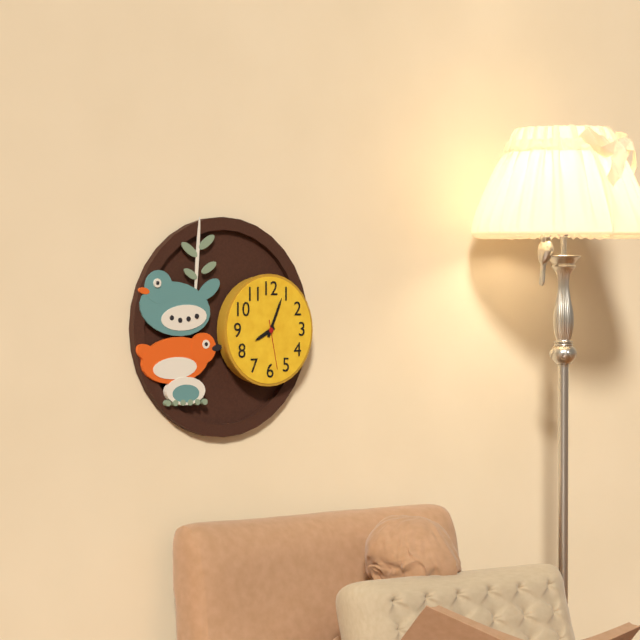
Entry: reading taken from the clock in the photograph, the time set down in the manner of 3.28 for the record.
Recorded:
8.04
